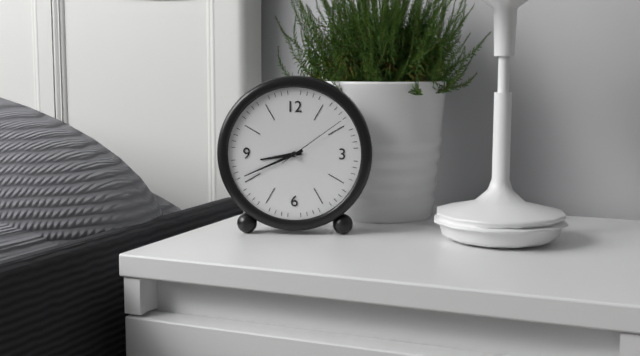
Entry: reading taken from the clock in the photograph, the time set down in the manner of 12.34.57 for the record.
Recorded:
8.41.09
